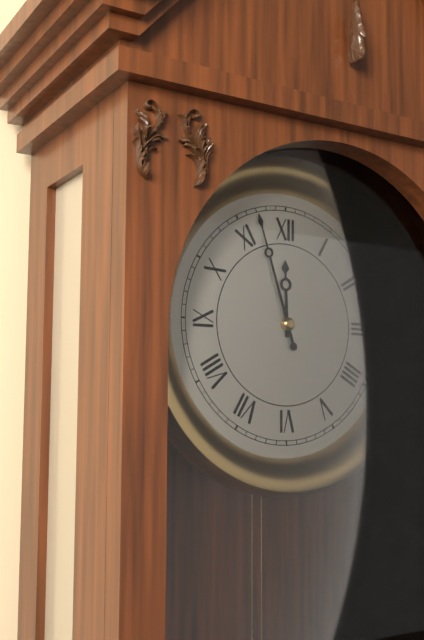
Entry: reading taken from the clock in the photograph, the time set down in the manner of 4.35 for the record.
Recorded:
11.57
